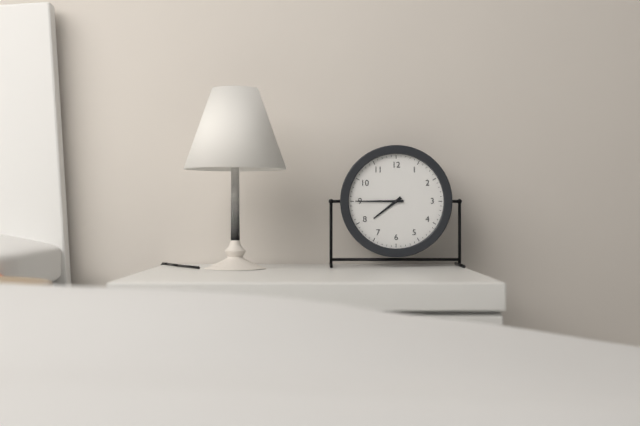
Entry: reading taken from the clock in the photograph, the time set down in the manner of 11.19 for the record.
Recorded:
7.45
